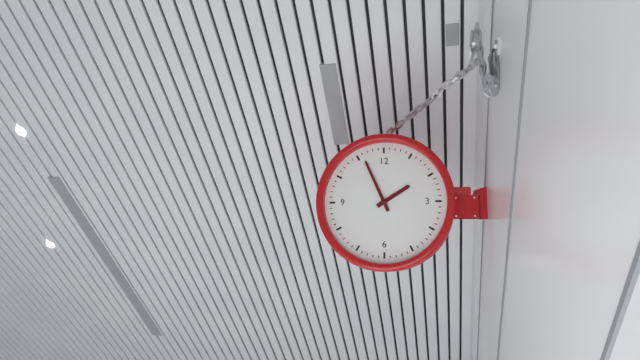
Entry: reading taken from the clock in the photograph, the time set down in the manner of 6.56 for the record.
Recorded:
1.56
